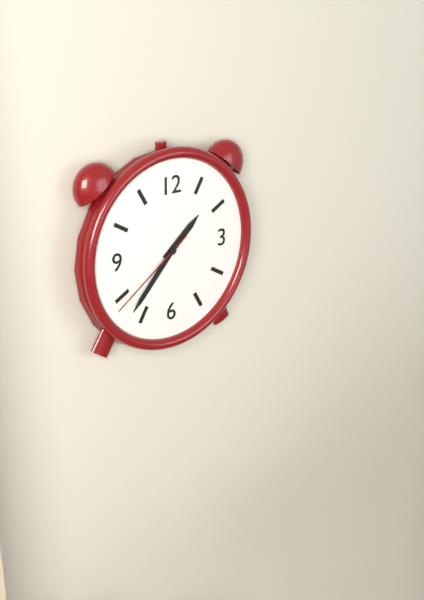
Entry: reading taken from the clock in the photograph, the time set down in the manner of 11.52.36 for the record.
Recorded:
1.37.39
